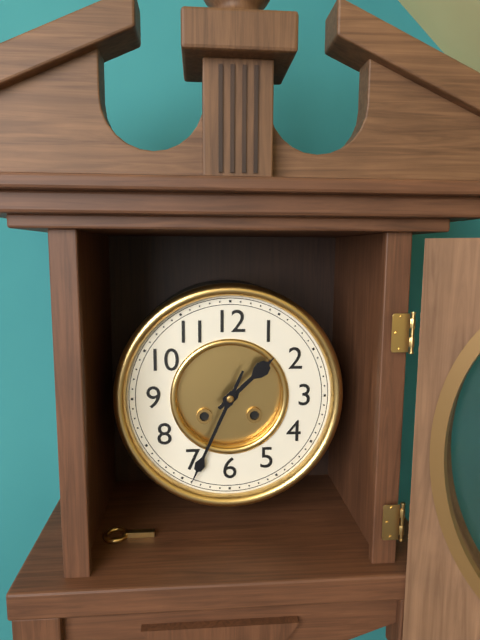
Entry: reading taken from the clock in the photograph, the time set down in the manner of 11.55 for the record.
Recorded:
1.34
